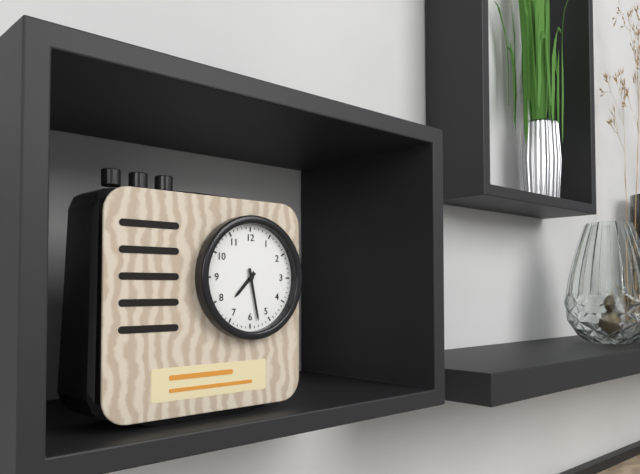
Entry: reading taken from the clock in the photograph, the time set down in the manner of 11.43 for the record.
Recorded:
7.28
